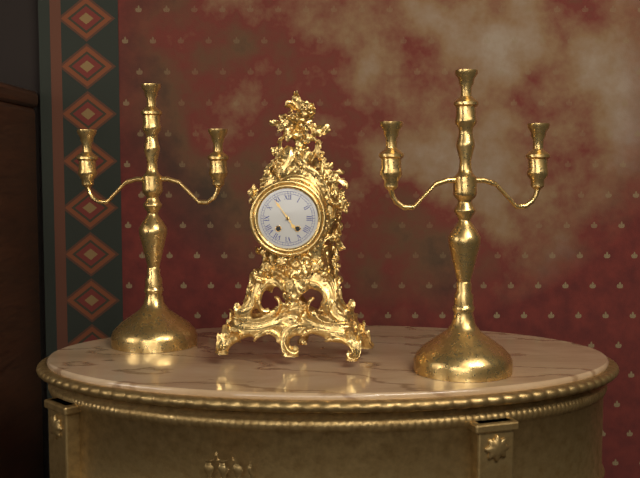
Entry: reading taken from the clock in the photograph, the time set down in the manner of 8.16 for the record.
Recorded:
4.54
